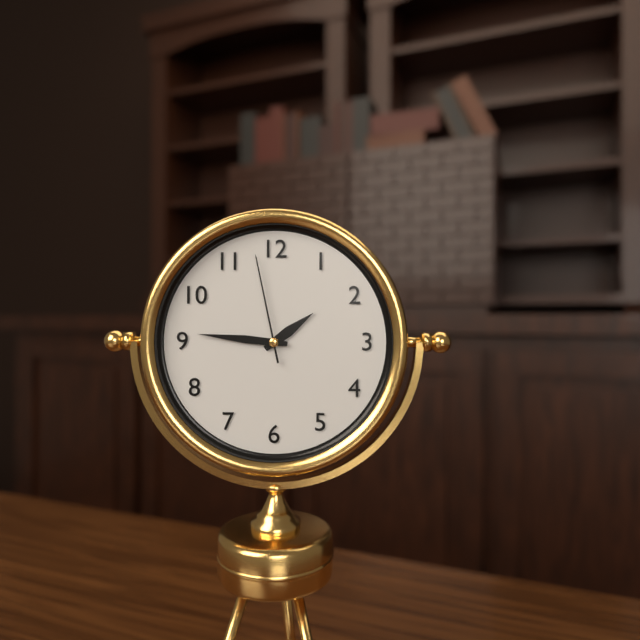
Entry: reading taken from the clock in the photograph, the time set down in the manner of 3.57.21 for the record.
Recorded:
1.46.58
